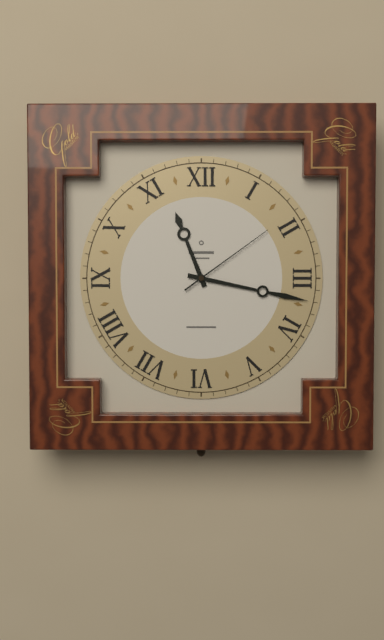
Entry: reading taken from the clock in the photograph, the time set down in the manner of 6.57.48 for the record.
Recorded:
11.17.09
